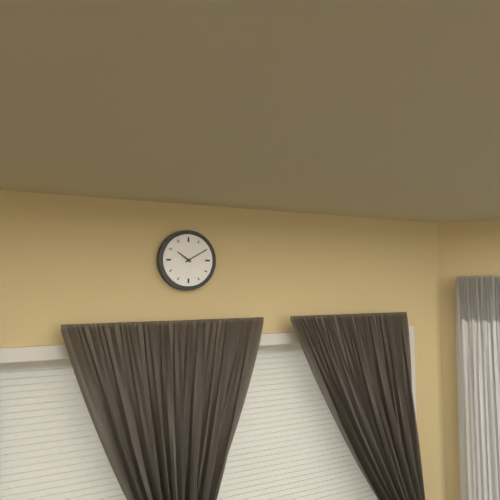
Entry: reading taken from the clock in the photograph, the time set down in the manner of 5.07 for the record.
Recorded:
10.10
